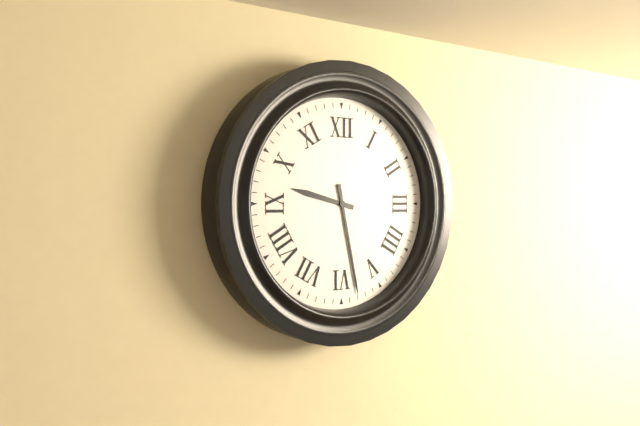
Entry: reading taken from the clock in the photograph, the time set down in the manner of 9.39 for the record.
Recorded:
9.28
